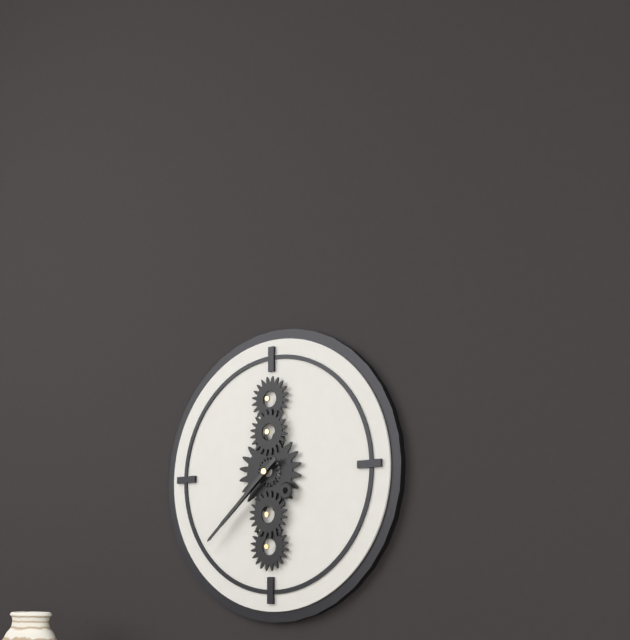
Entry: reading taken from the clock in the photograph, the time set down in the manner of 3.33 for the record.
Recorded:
7.38
